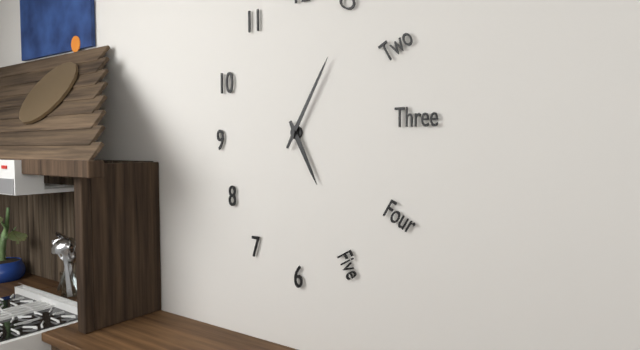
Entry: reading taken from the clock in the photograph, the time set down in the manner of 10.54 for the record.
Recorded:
5.05
